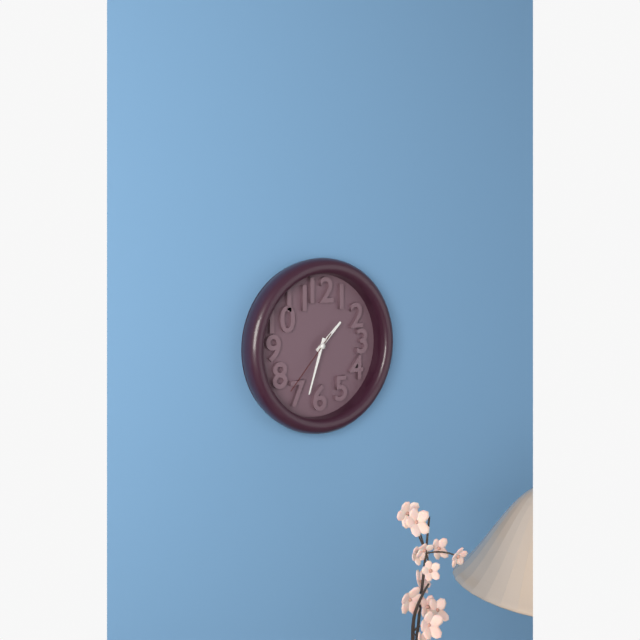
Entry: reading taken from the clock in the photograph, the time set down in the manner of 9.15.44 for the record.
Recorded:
1.33.37
